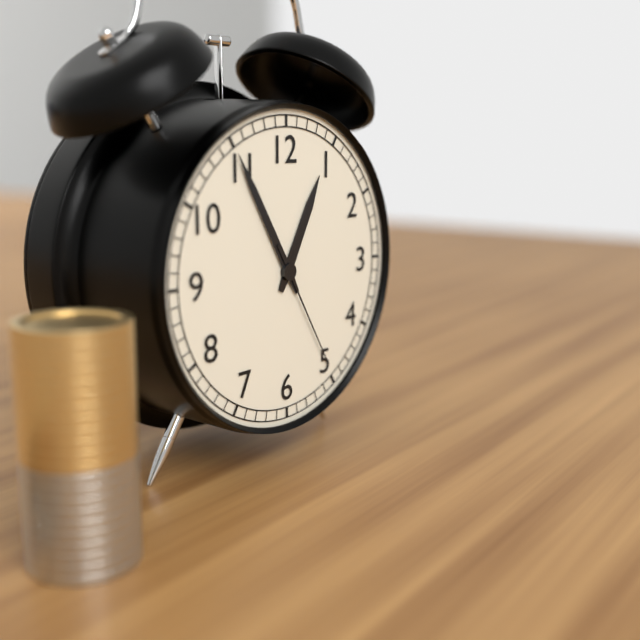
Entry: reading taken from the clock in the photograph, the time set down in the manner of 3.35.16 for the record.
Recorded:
12.55.25
